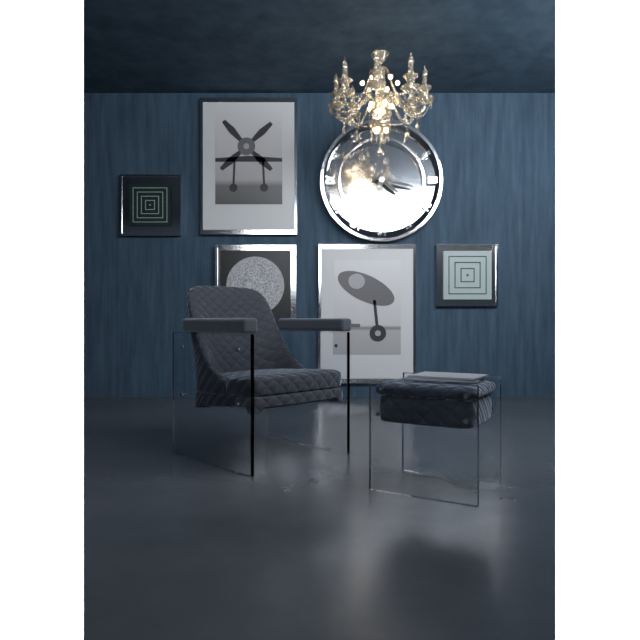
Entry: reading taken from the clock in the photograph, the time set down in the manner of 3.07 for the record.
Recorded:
4.17
